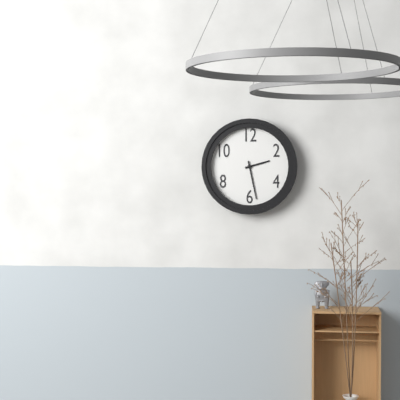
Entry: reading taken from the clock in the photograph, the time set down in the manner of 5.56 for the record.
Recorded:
2.28
